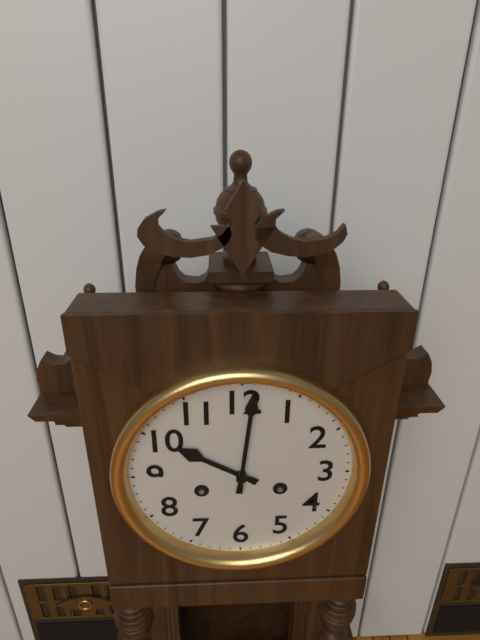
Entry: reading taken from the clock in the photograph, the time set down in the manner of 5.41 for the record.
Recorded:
10.01
